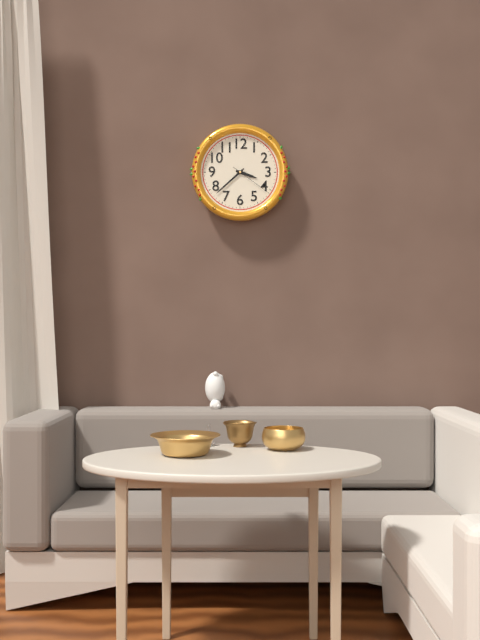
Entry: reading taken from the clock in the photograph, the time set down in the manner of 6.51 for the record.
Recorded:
3.38
